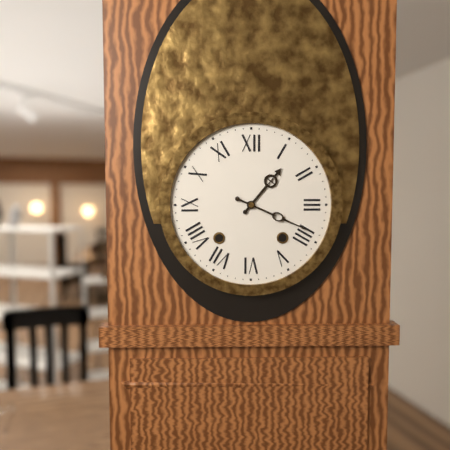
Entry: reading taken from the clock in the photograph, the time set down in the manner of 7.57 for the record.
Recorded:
1.19
